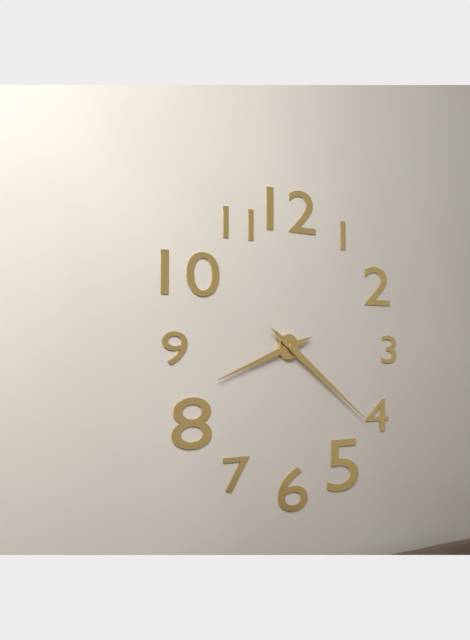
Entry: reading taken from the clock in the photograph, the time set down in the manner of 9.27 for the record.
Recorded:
8.21
